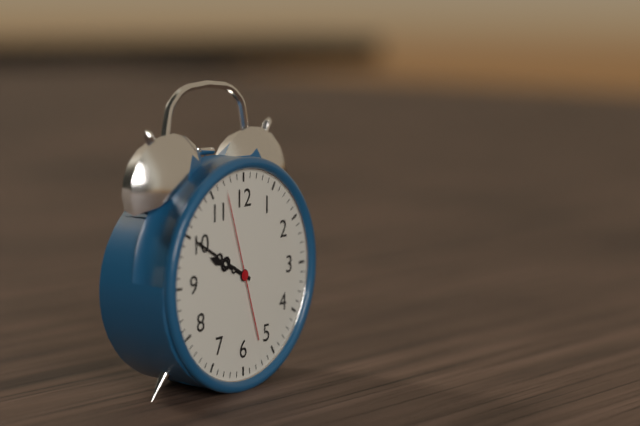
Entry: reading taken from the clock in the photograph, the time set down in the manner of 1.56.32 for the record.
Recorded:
9.50.57
